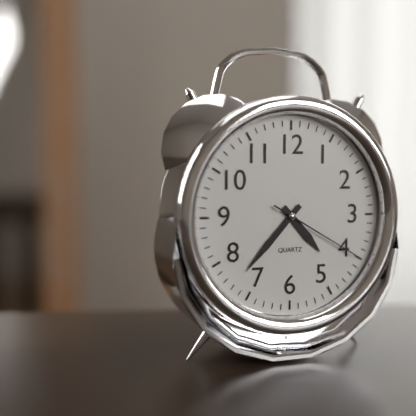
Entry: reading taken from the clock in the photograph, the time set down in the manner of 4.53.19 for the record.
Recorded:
4.37.20
